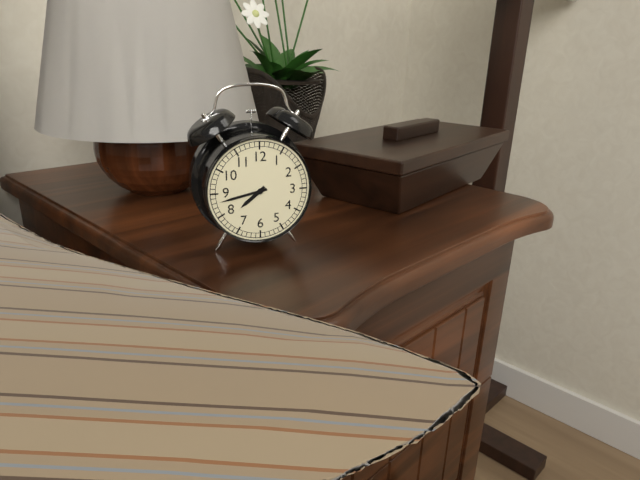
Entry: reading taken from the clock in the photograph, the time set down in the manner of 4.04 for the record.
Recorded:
7.43
